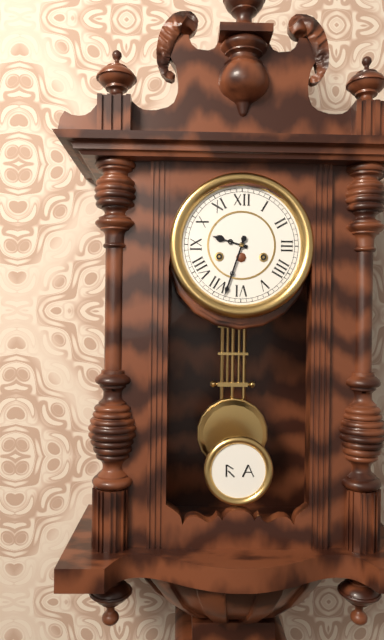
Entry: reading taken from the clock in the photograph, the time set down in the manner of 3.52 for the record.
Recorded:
9.33
